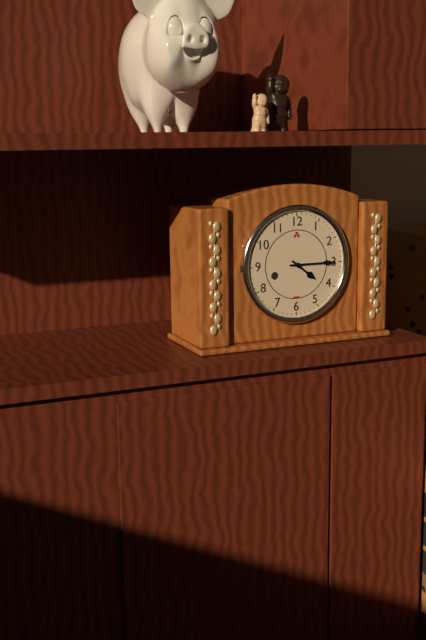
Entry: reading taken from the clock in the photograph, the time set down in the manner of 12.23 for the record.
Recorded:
4.15
